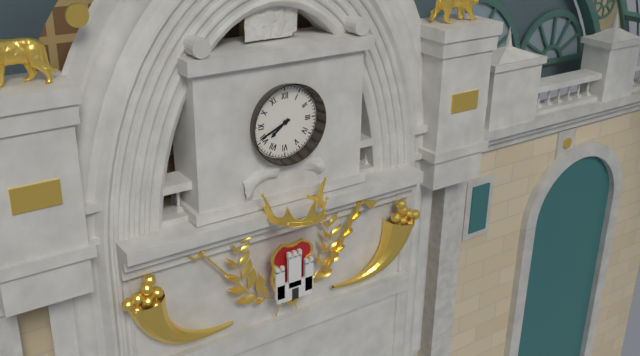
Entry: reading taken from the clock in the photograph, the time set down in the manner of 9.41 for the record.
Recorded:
7.41
